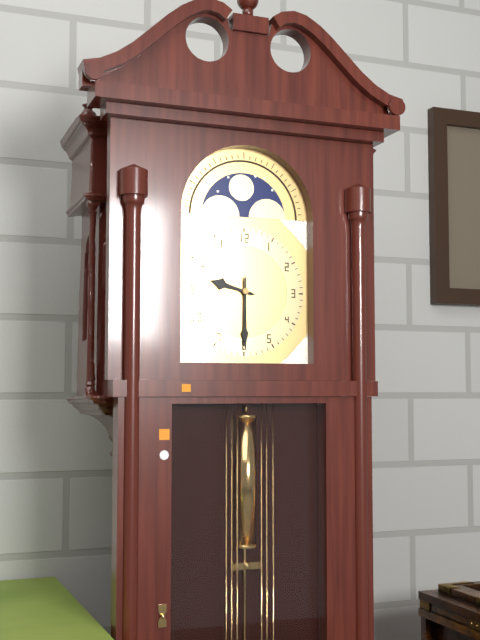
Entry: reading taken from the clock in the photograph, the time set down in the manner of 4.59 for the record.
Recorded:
9.30
